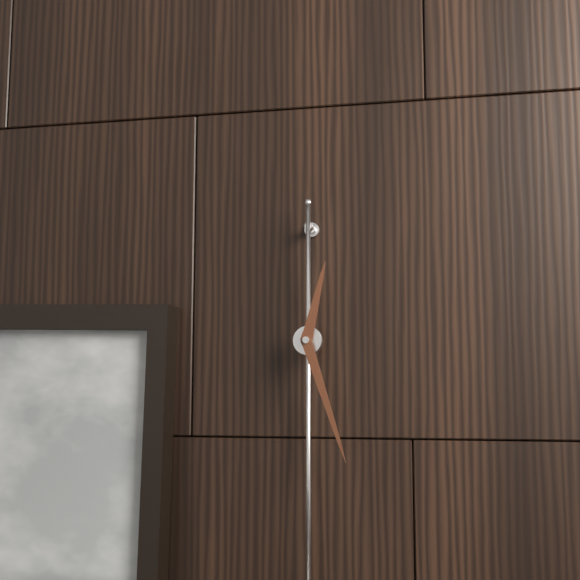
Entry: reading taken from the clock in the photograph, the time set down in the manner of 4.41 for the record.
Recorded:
12.27
